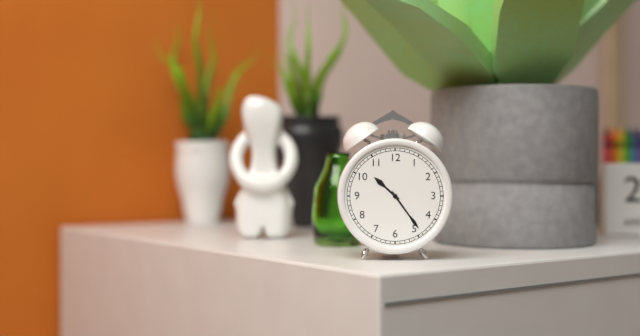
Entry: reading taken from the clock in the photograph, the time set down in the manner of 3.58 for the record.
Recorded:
10.24
